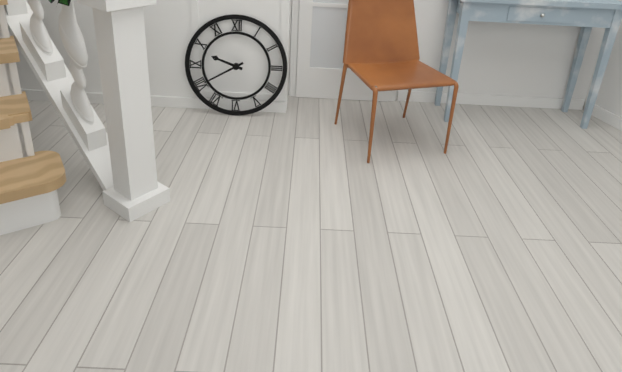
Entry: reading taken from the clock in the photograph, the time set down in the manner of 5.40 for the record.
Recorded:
9.40
